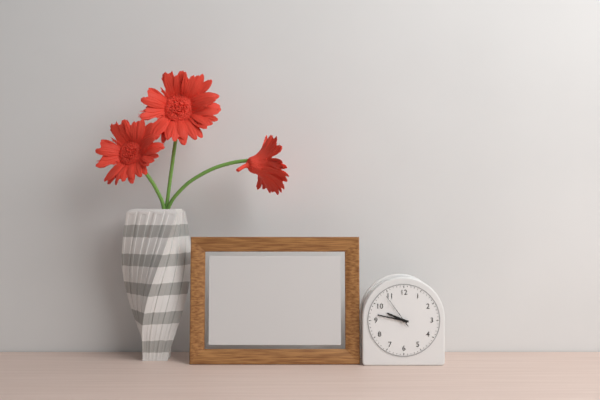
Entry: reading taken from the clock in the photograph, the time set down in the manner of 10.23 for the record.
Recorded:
9.47
